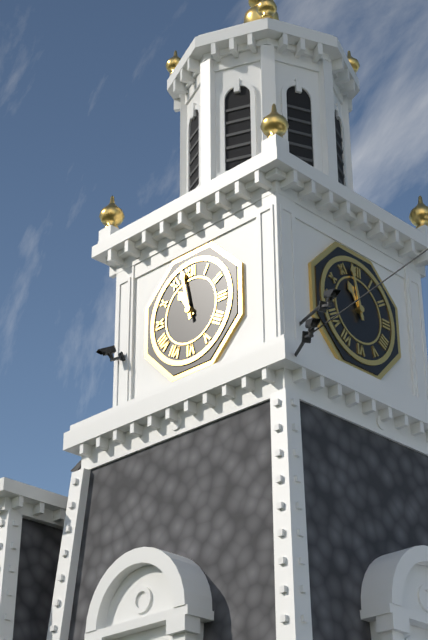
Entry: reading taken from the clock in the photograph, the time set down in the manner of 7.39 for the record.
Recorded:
10.58
